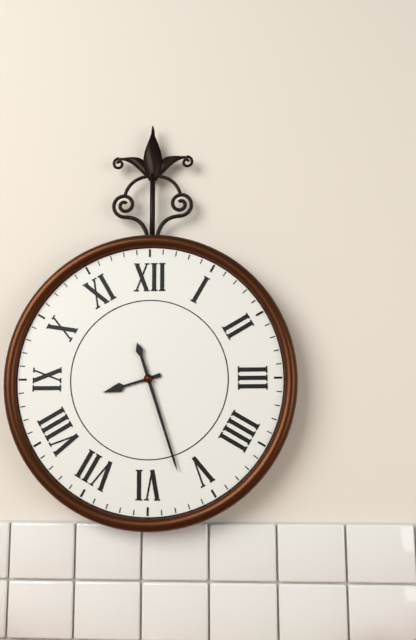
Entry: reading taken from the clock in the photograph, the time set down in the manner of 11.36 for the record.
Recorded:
8.27
